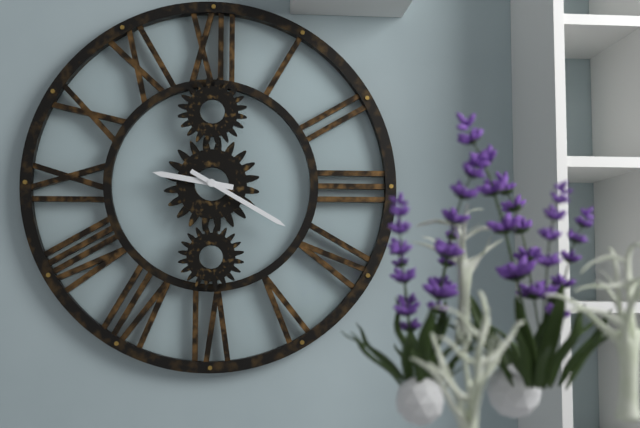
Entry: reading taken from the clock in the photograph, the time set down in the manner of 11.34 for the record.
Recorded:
9.20
